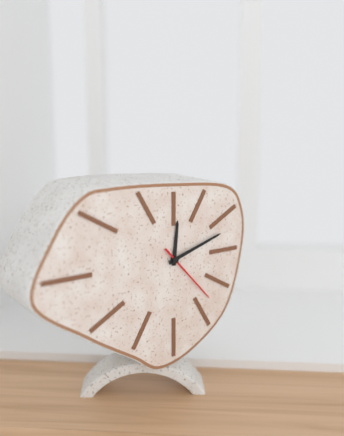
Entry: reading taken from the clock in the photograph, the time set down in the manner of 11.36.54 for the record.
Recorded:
12.12.23
